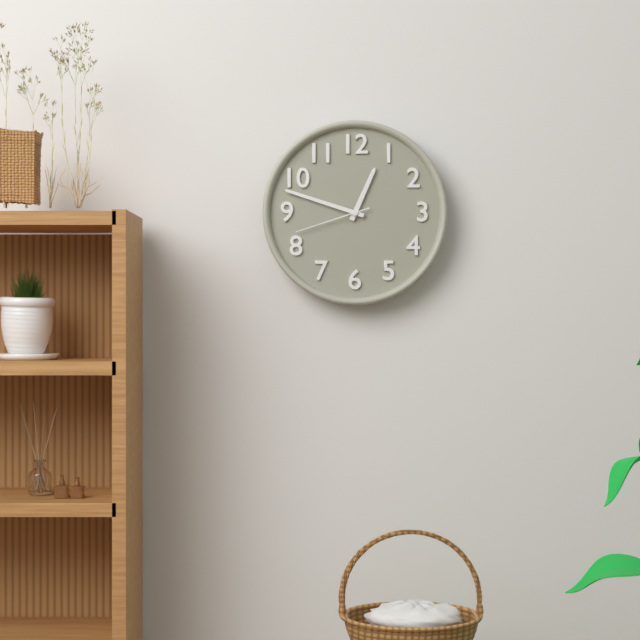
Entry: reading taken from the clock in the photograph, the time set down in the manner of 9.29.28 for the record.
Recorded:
12.48.42
